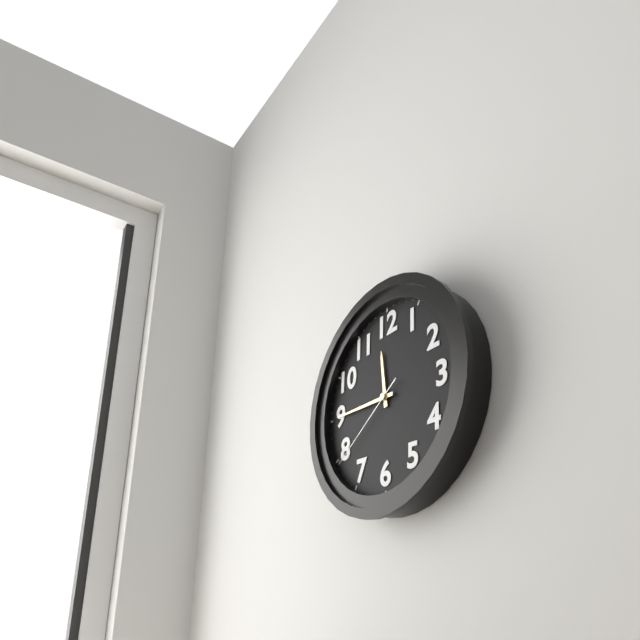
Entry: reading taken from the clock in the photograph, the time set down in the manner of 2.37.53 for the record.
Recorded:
11.45.39
